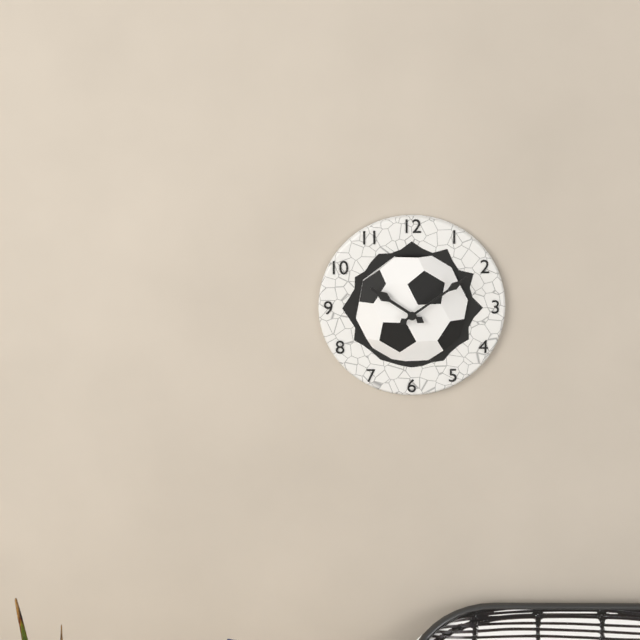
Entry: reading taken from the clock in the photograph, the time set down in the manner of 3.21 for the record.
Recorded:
10.09
